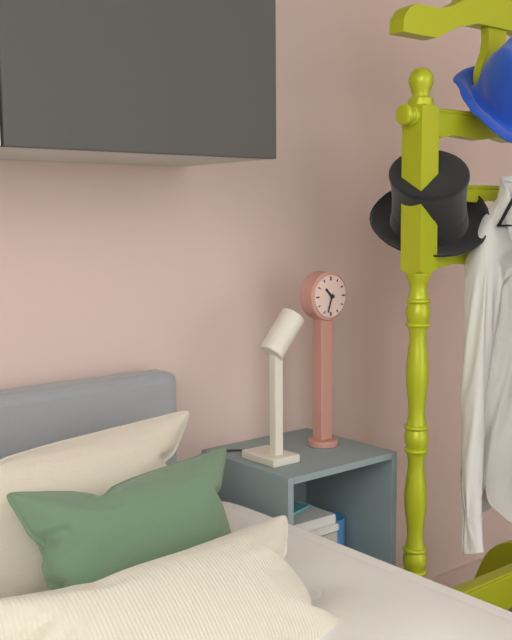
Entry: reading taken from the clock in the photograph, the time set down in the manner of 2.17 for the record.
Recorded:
10.33
